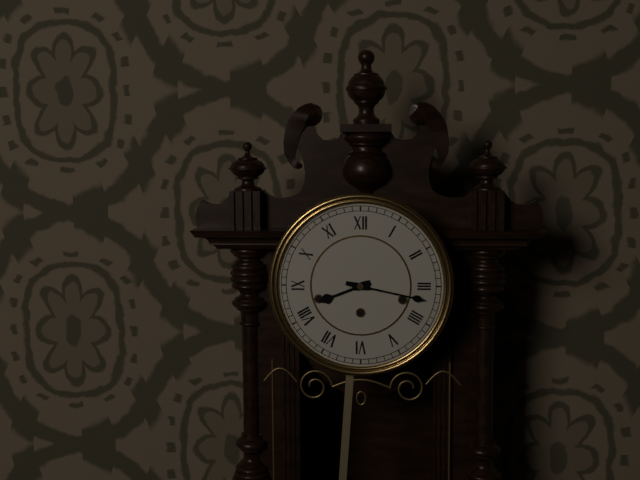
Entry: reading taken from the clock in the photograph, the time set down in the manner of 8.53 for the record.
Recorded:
8.17
